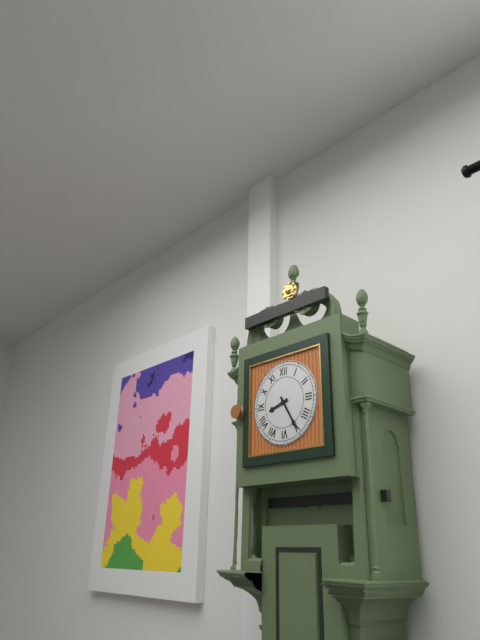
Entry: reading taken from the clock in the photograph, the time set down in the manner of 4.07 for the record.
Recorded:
8.25
